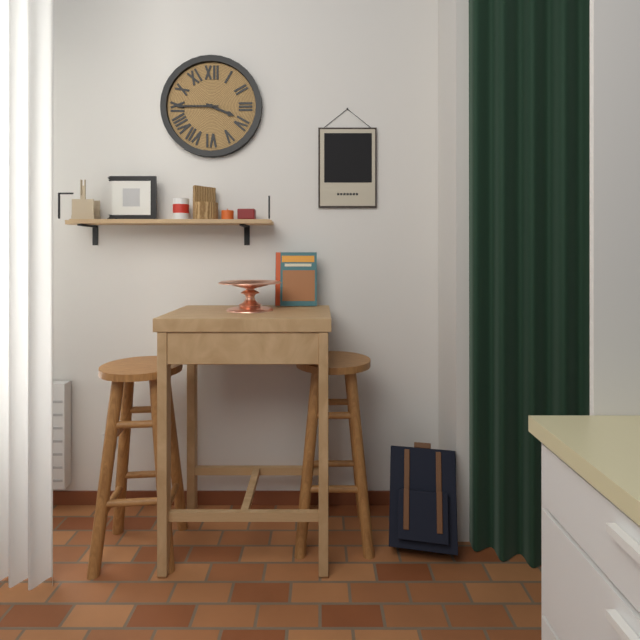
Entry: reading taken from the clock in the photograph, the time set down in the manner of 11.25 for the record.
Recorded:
3.45
